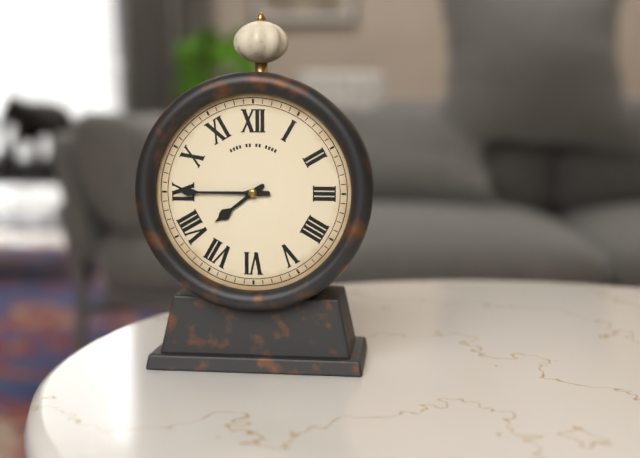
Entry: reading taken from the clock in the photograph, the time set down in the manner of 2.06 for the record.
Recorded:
7.45
